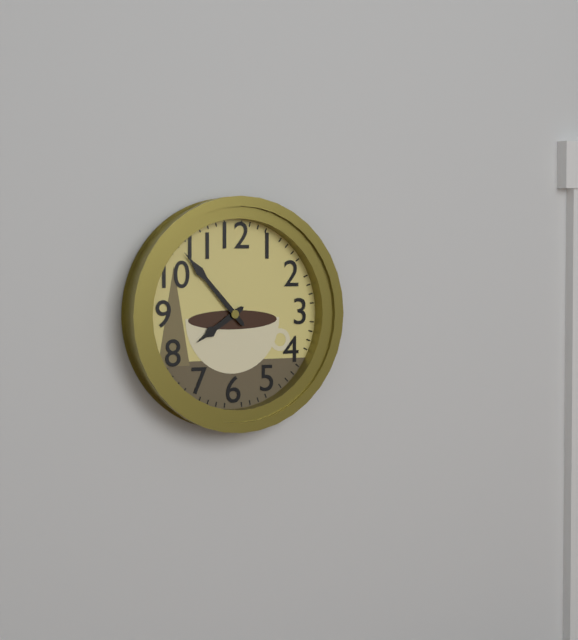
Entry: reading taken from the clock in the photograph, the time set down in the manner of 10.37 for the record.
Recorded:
7.53
